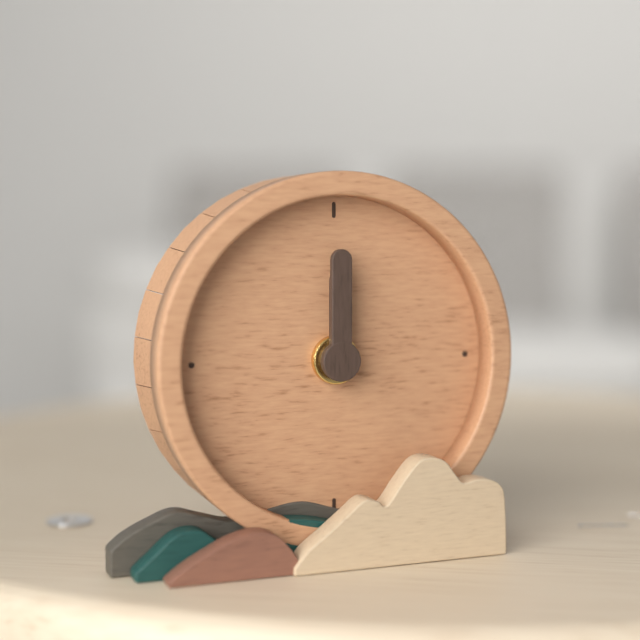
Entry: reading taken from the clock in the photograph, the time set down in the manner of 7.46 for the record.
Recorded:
12.00
